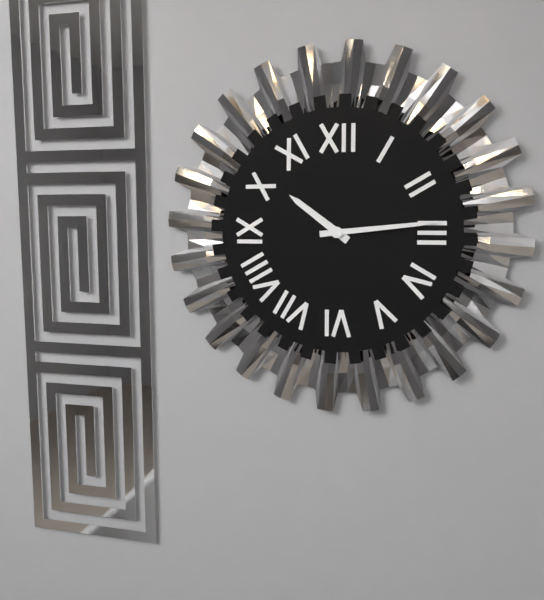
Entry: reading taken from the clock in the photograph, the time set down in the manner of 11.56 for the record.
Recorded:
10.14
